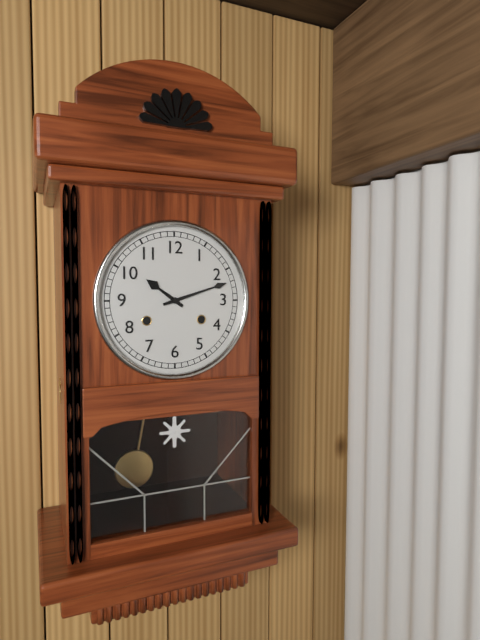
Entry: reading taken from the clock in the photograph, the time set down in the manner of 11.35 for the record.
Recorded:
10.12
